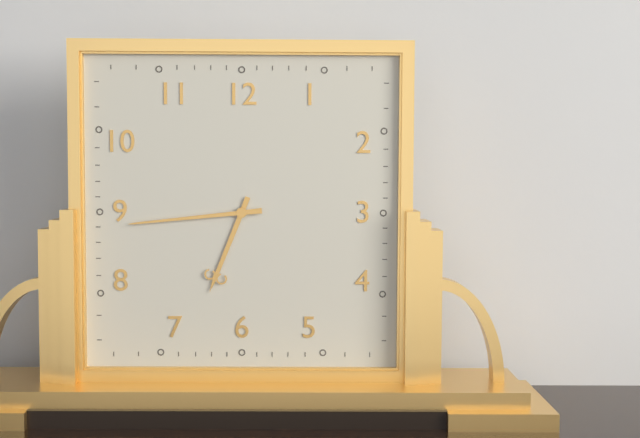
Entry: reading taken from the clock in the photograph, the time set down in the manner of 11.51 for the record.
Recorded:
6.44
